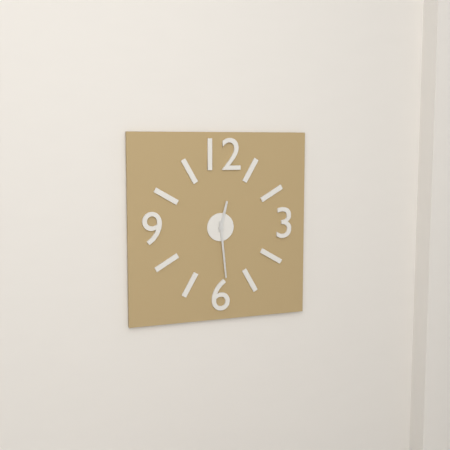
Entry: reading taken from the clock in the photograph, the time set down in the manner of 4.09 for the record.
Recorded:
12.29
